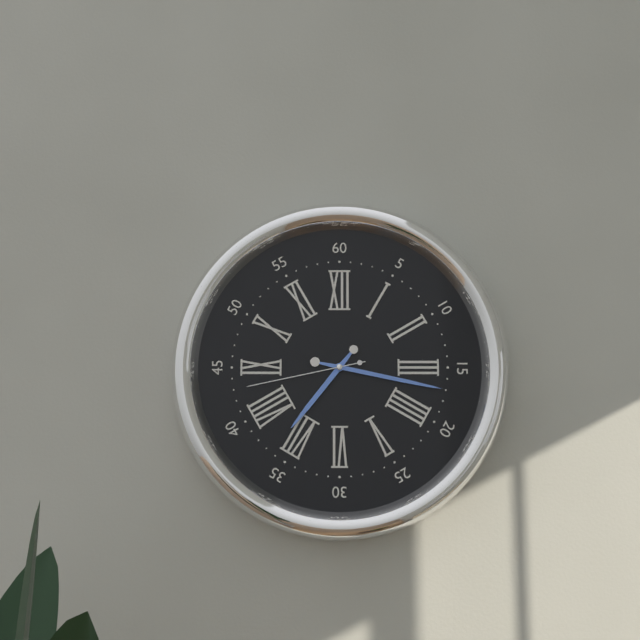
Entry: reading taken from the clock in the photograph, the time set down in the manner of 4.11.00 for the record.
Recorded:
7.17.43
